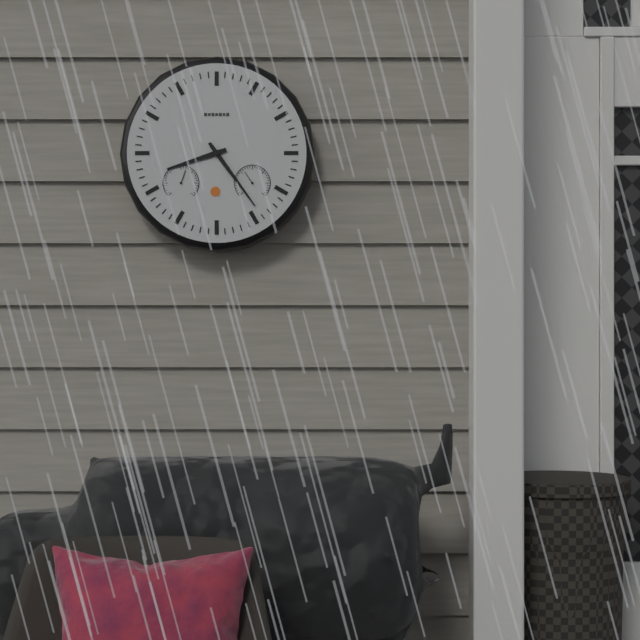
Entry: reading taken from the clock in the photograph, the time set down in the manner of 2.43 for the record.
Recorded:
8.24
